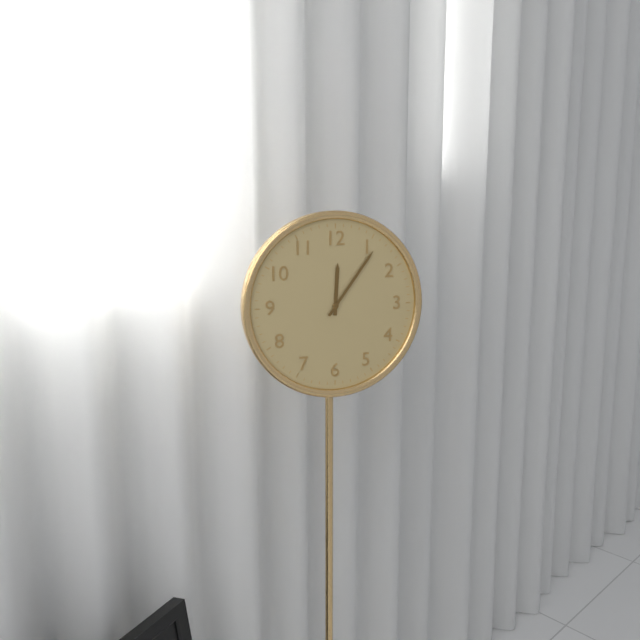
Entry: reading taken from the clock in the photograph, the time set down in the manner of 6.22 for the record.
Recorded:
12.06
